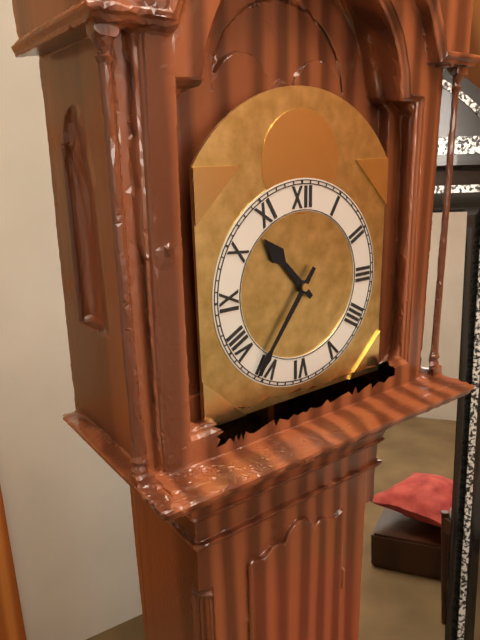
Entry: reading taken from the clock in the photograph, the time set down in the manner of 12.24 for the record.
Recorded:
10.36
